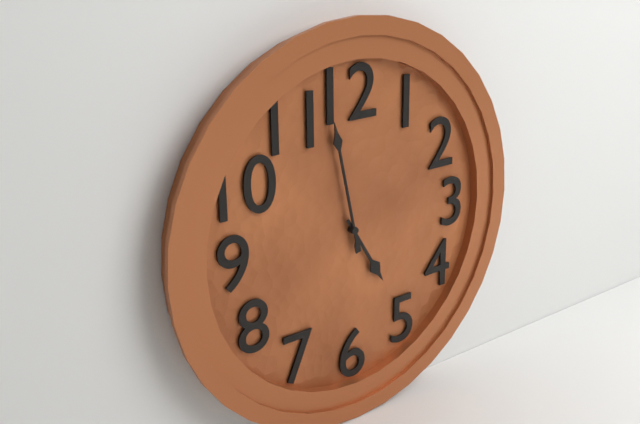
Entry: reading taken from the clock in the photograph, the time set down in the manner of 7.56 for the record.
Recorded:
4.58
